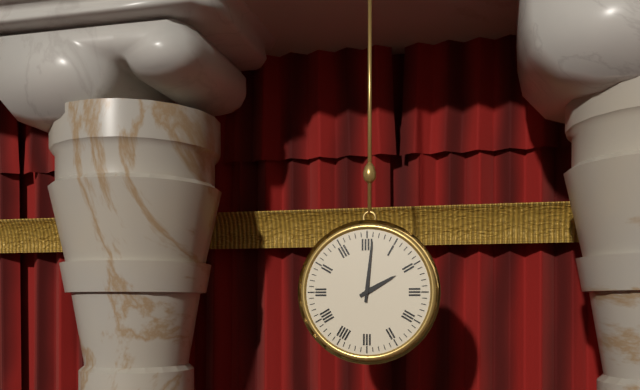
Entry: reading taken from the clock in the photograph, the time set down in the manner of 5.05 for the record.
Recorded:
2.01
